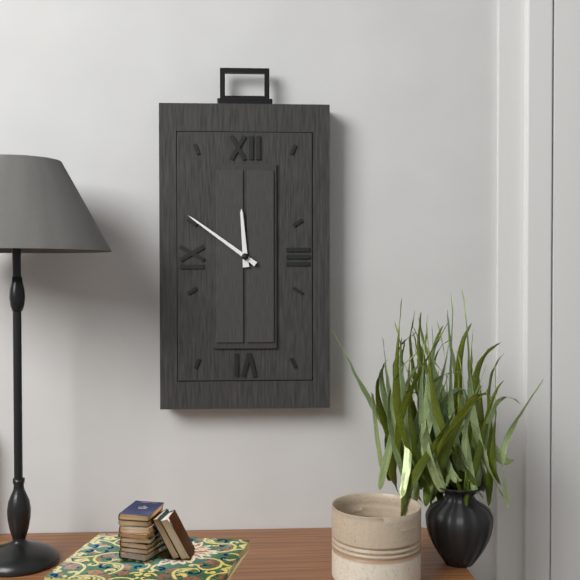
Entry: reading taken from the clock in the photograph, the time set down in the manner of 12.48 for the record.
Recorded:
11.51
